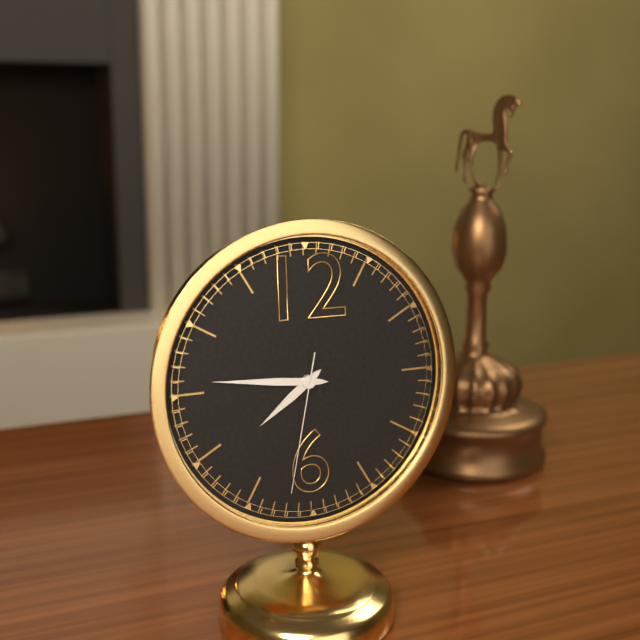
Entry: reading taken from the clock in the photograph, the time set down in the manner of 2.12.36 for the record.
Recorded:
7.46.32
